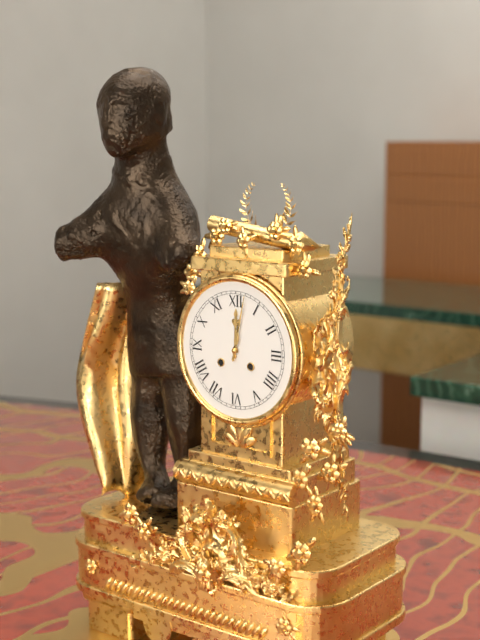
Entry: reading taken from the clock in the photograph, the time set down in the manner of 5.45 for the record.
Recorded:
12.02
